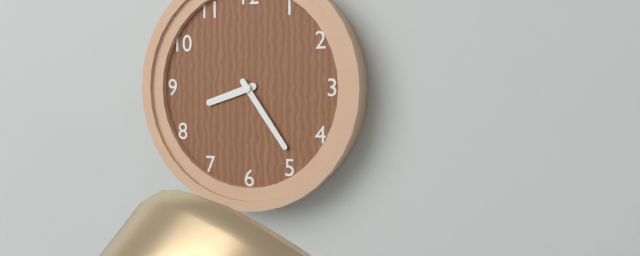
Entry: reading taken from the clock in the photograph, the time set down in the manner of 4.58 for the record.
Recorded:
8.24
